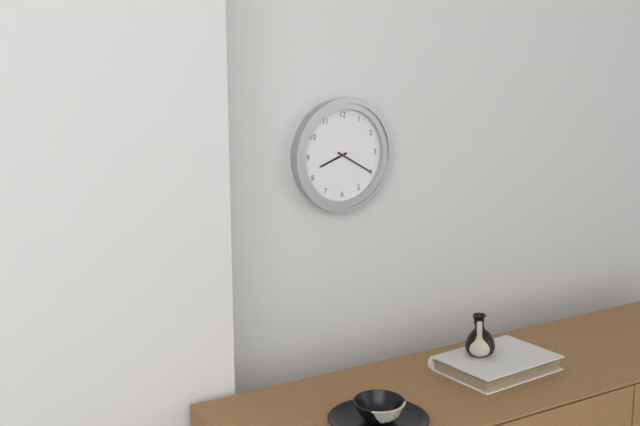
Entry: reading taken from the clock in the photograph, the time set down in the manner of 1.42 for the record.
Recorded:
8.20
